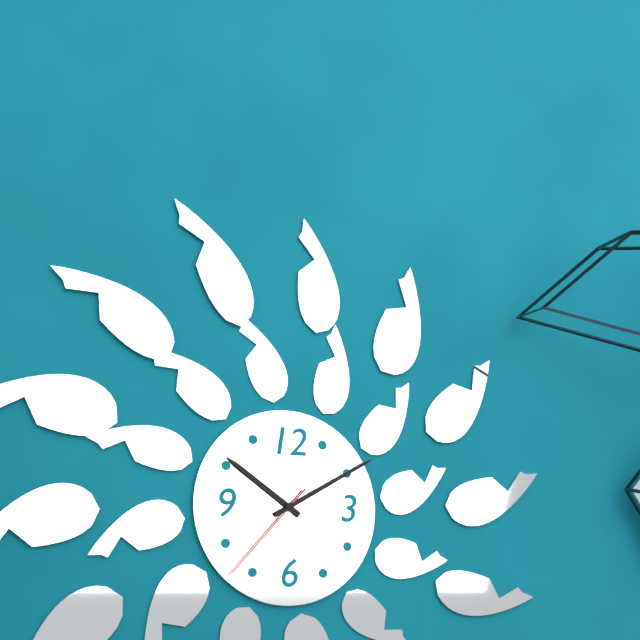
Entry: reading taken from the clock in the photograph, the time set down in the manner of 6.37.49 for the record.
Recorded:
10.10.37
